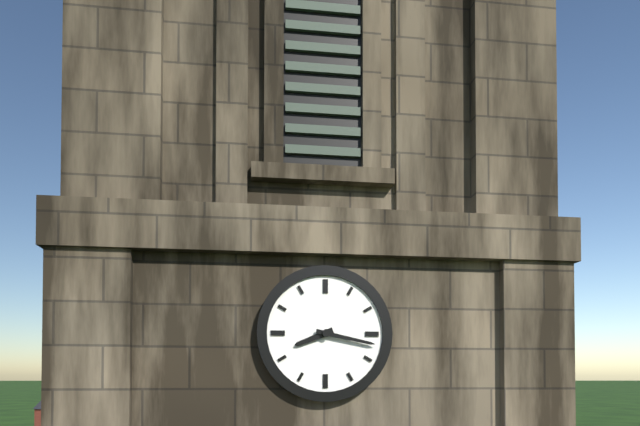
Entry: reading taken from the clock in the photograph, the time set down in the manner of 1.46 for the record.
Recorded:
8.17
